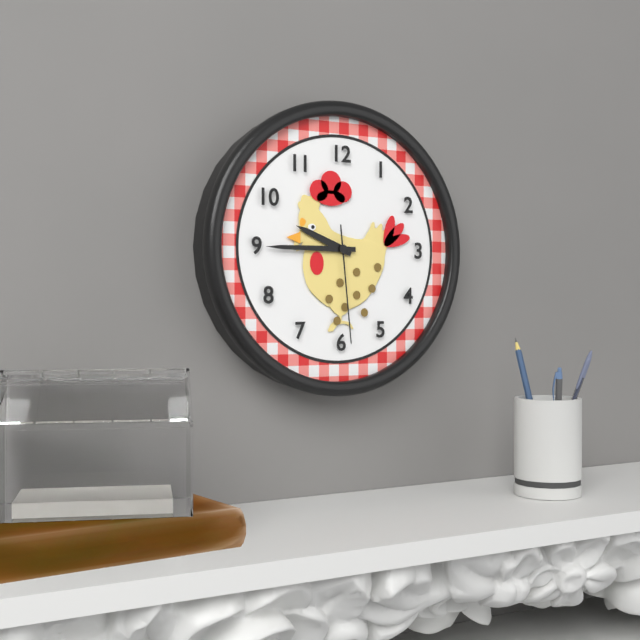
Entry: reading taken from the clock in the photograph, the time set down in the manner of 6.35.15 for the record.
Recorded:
9.45.29
